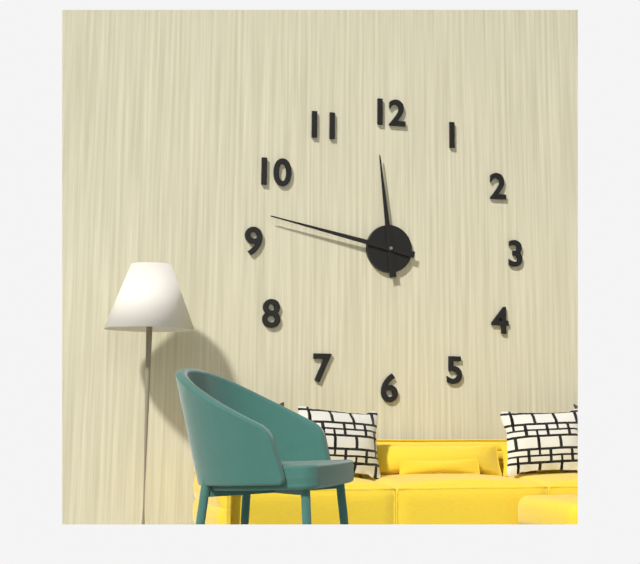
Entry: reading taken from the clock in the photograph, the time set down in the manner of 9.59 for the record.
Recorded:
11.47
